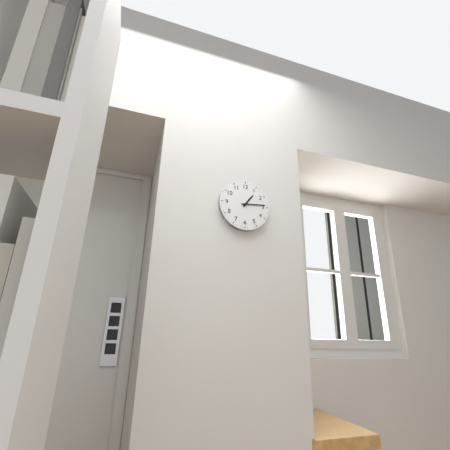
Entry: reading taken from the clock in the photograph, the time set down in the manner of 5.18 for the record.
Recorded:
1.14
